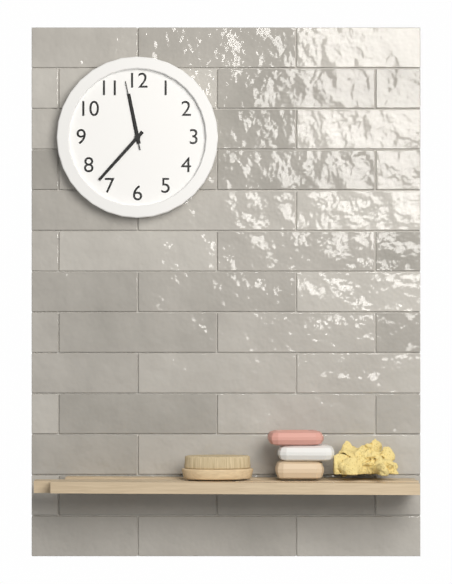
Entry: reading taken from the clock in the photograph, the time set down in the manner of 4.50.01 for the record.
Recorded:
11.37.58
